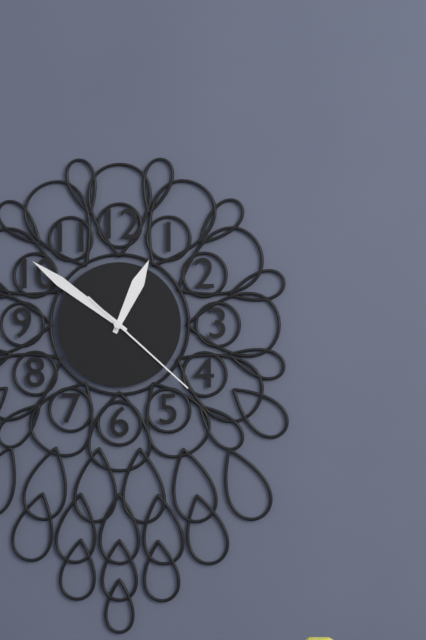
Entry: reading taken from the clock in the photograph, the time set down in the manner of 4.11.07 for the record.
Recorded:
12.51.22
